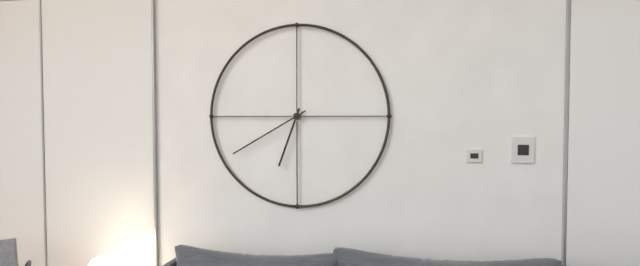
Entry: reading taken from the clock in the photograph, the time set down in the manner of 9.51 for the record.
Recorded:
6.40
